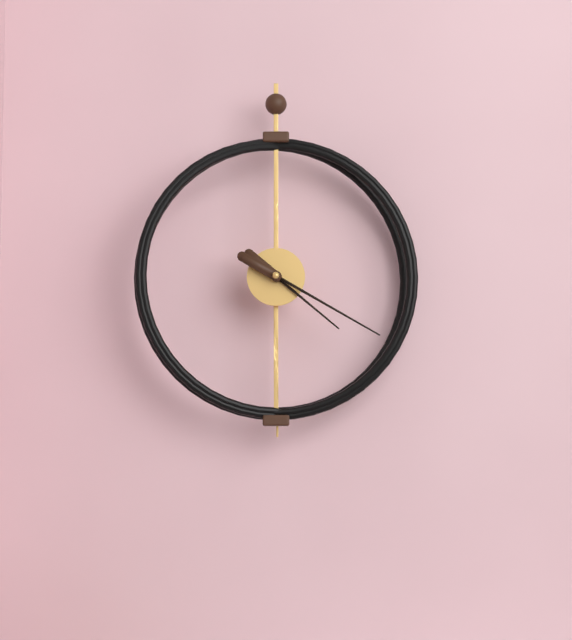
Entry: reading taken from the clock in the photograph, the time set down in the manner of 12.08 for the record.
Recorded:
4.20
